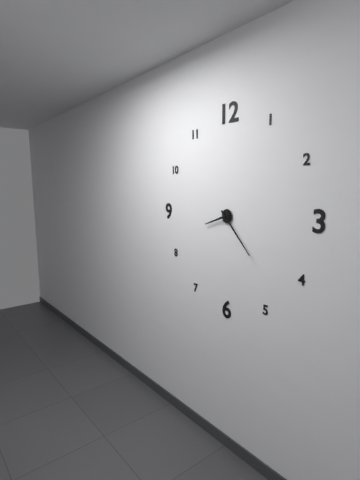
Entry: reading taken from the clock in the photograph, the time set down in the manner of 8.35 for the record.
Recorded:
8.23
